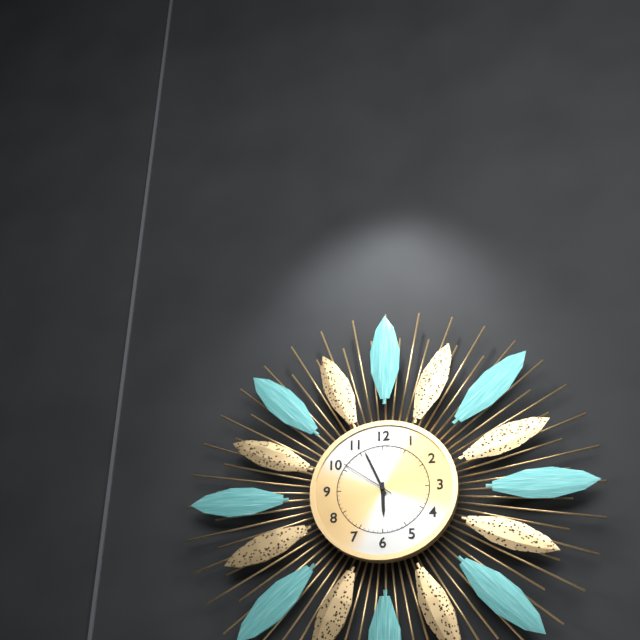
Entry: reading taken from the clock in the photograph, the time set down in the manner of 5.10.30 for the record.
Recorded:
5.56.51
